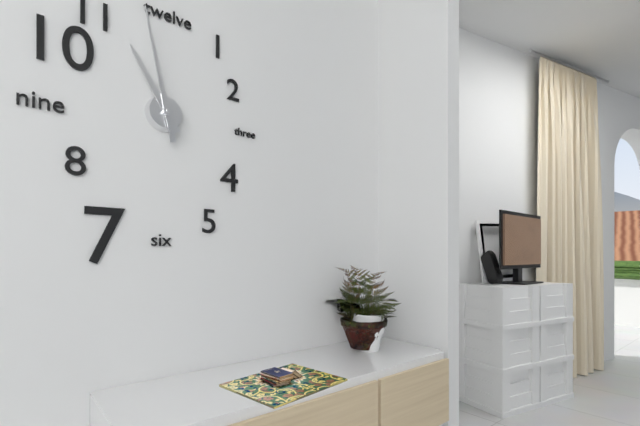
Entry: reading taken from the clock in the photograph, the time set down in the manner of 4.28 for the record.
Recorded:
10.58
